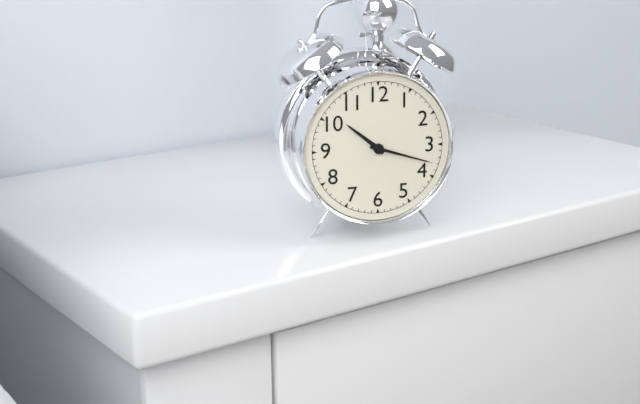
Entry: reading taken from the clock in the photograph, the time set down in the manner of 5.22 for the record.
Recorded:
10.18
